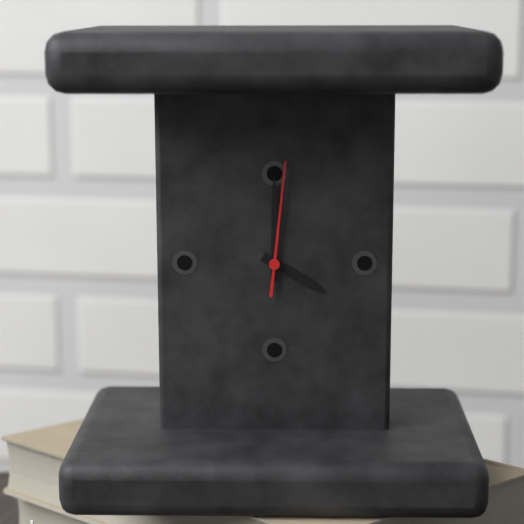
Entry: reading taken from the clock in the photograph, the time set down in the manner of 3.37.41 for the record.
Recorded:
4.00.01
